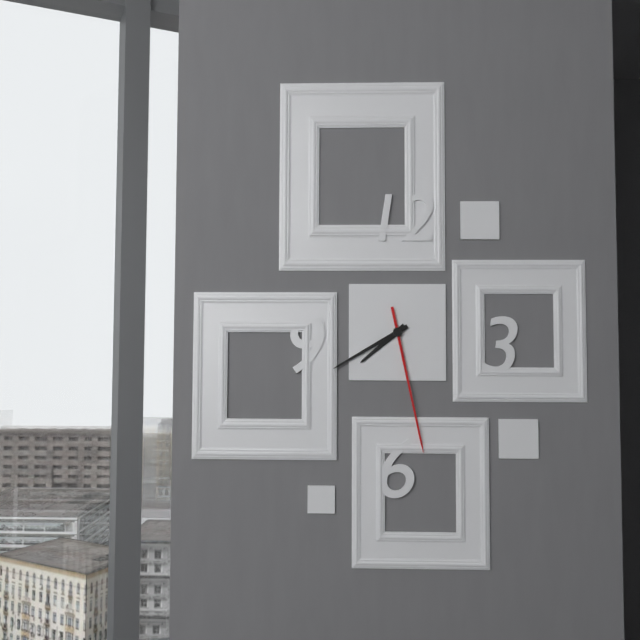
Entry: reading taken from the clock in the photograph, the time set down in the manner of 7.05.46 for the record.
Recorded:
7.40.28
